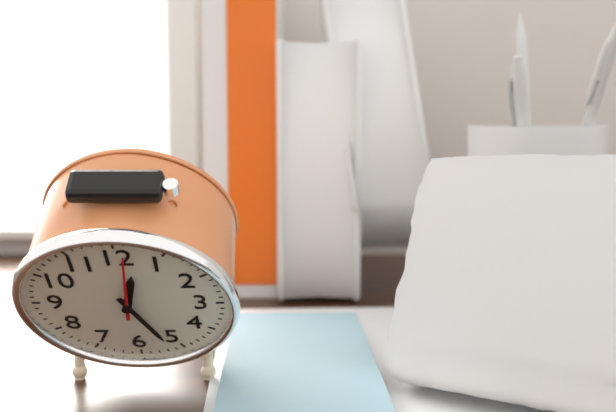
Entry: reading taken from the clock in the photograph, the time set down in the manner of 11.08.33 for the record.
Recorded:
12.26.01
